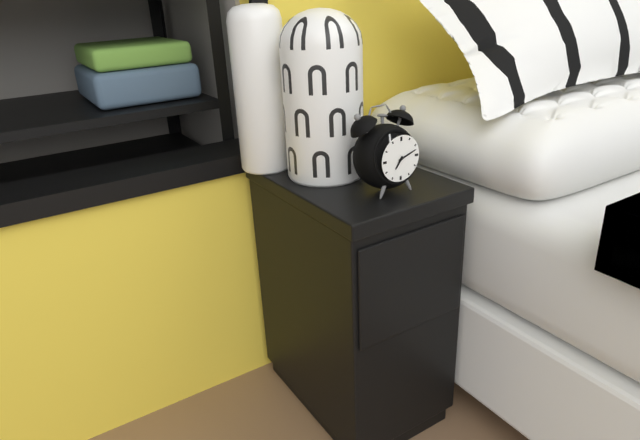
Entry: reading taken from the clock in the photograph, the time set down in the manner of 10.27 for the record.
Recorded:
7.12
